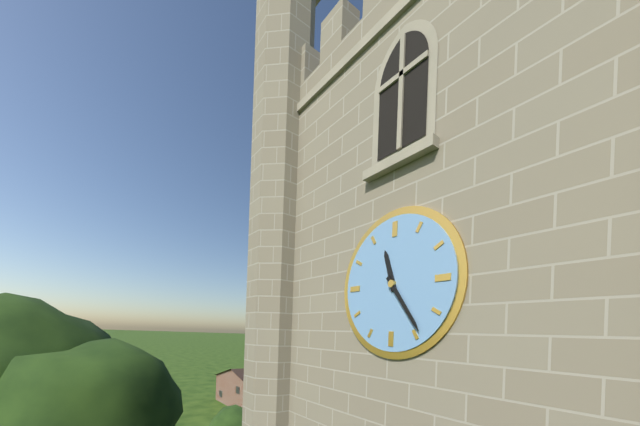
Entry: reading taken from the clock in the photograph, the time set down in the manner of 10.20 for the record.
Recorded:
11.24
